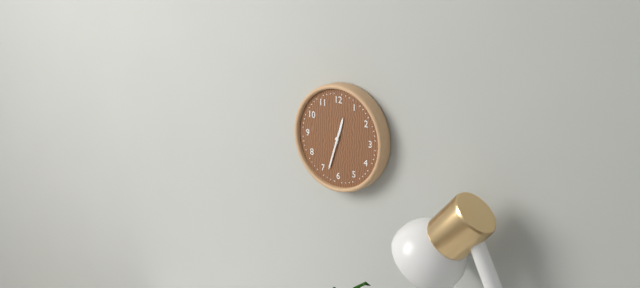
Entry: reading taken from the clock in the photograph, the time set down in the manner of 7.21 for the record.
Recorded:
12.33
